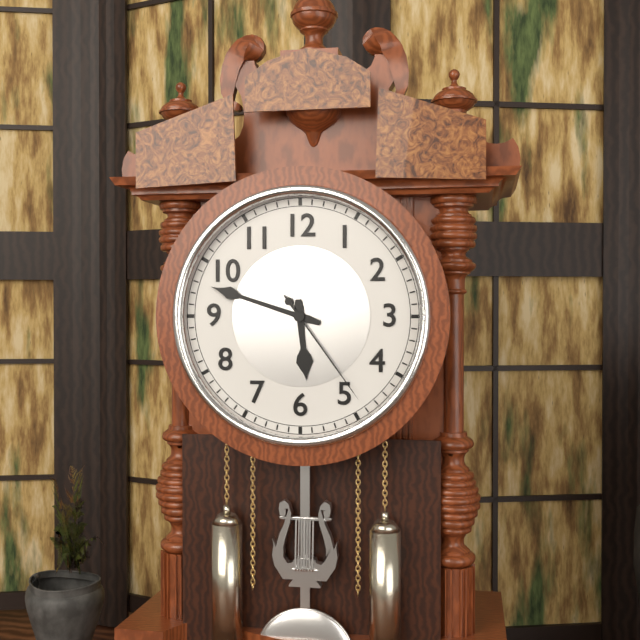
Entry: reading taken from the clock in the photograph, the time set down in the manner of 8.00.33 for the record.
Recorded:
5.48.24
